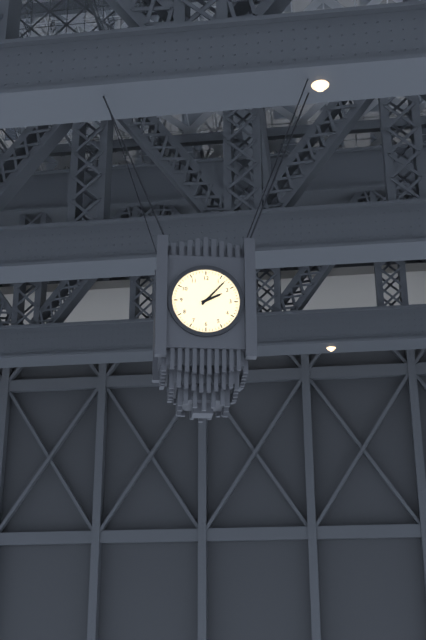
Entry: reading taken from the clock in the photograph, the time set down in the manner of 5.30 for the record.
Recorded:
2.07
